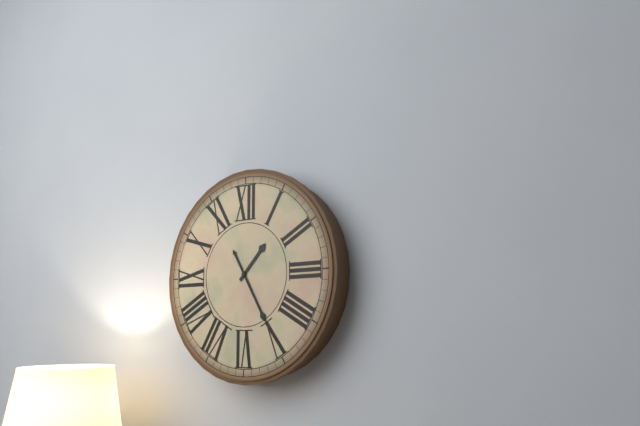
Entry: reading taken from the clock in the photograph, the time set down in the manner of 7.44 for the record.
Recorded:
1.25
